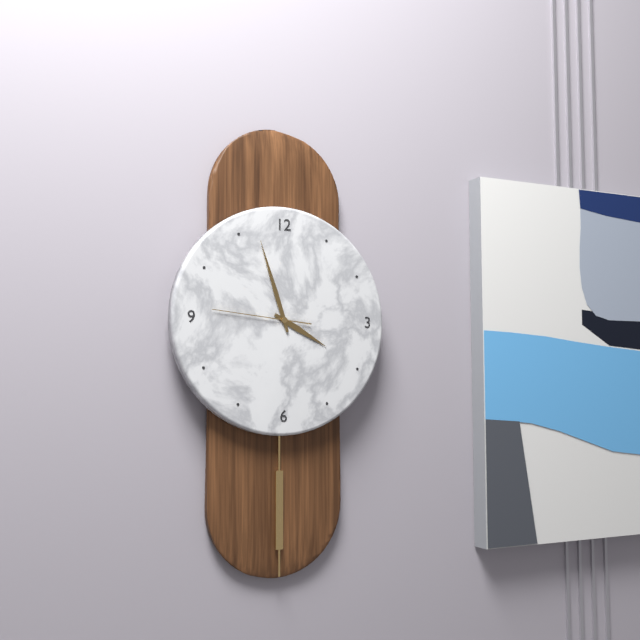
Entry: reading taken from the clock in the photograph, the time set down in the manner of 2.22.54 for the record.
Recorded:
3.57.46
